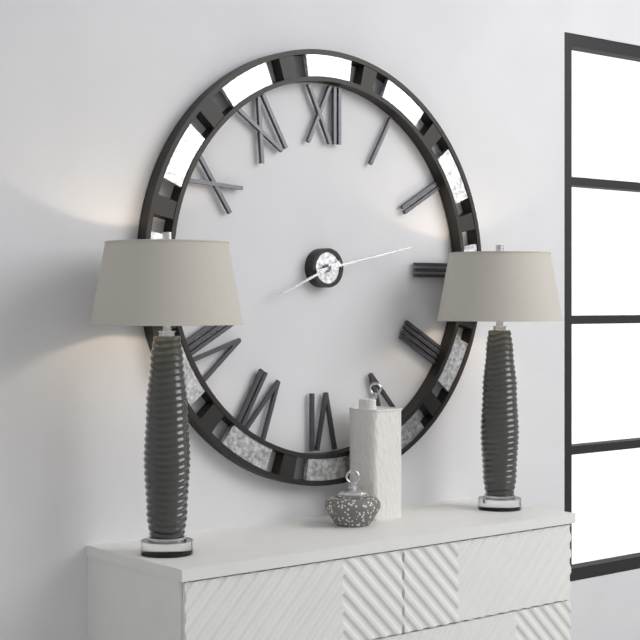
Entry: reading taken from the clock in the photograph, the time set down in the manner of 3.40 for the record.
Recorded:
8.13
